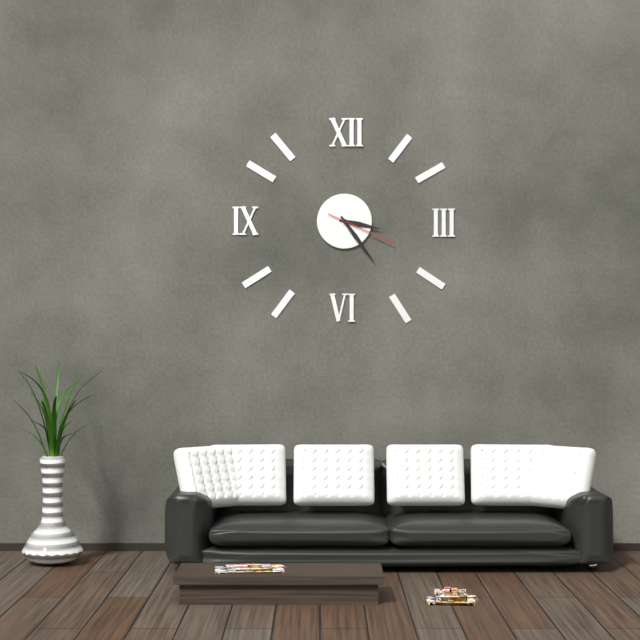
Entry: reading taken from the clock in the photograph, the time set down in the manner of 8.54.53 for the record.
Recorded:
3.24.19
